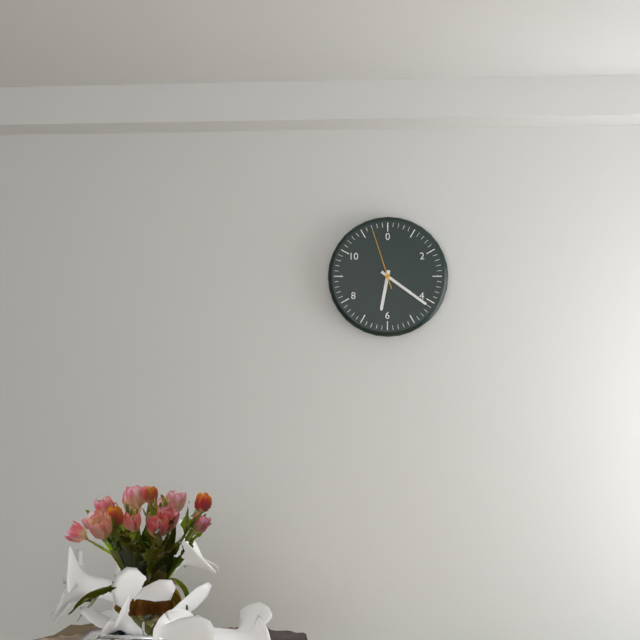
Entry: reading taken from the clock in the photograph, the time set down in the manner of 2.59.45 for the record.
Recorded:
6.21.57
